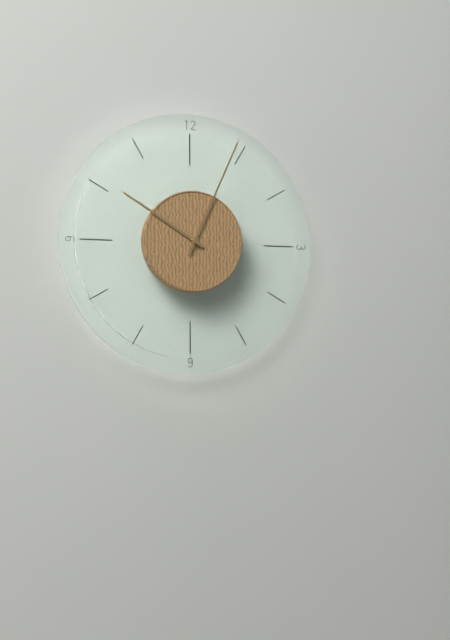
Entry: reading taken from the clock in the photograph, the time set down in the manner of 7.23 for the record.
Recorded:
10.04
